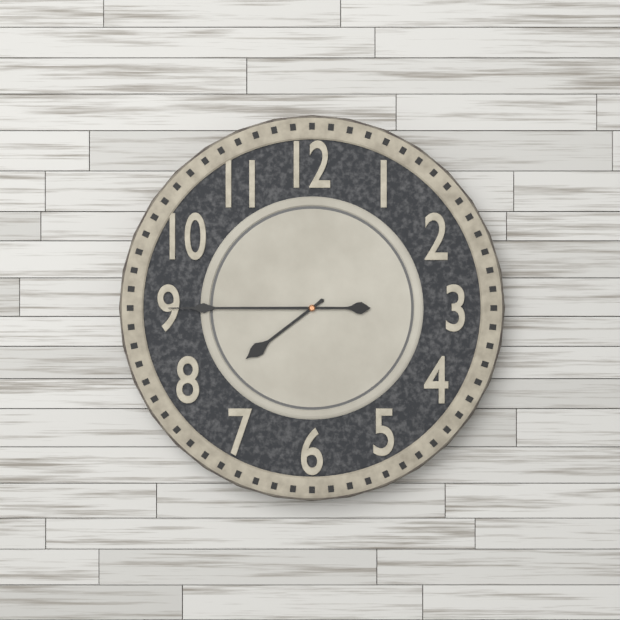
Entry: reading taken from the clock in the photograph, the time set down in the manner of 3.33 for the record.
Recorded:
7.45
